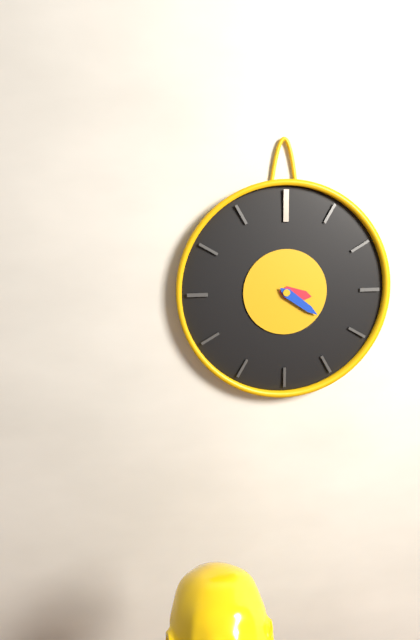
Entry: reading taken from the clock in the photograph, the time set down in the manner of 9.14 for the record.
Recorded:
3.21
